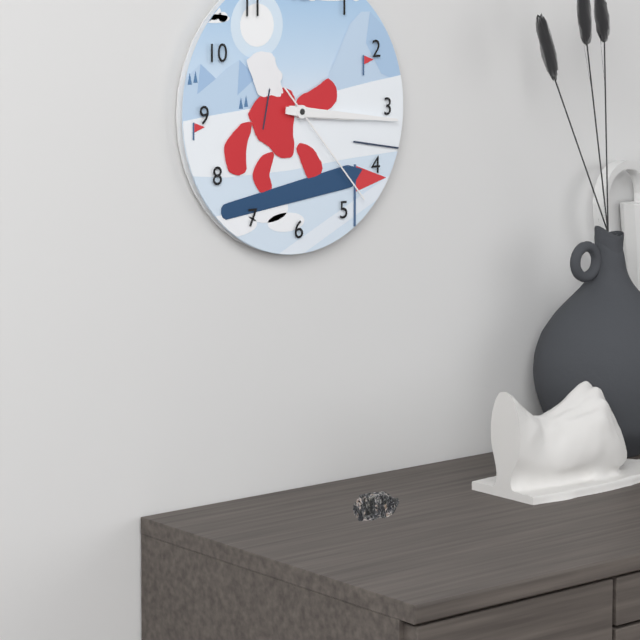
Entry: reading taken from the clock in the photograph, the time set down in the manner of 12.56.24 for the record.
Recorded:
3.16.23
